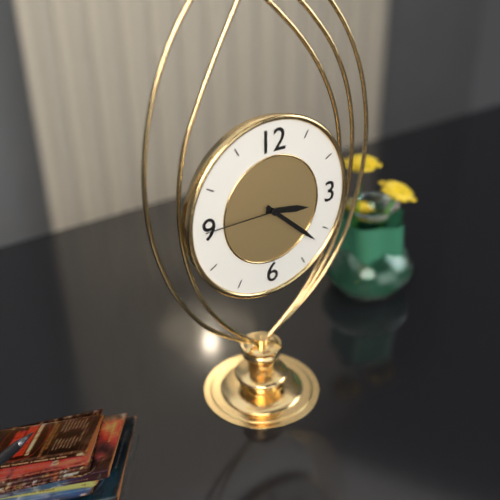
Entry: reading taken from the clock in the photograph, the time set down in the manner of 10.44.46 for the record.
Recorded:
3.22.45
